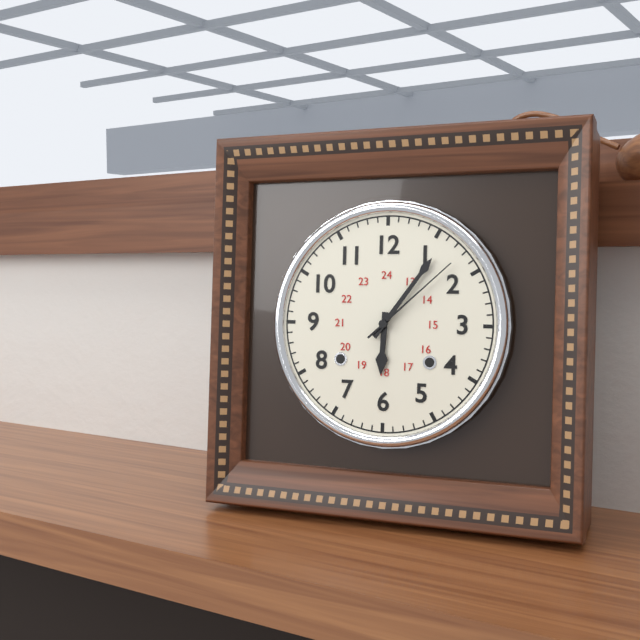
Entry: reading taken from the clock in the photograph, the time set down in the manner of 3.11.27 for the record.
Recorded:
6.06.08
